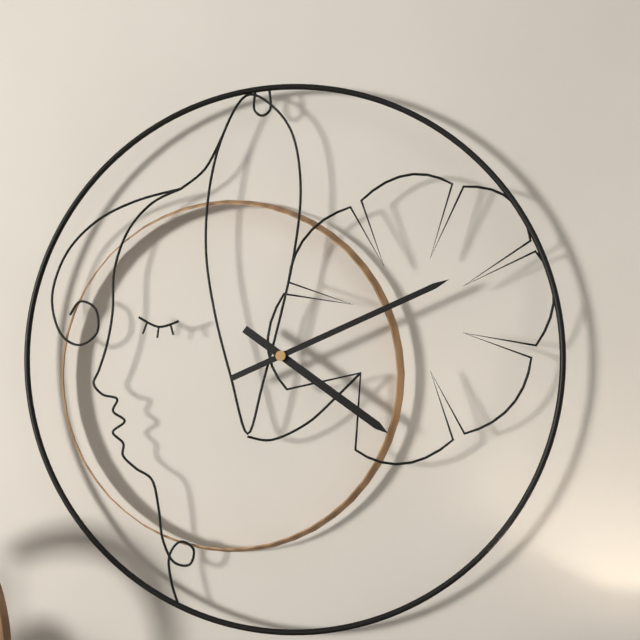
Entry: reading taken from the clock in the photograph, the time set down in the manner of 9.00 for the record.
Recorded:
4.11
